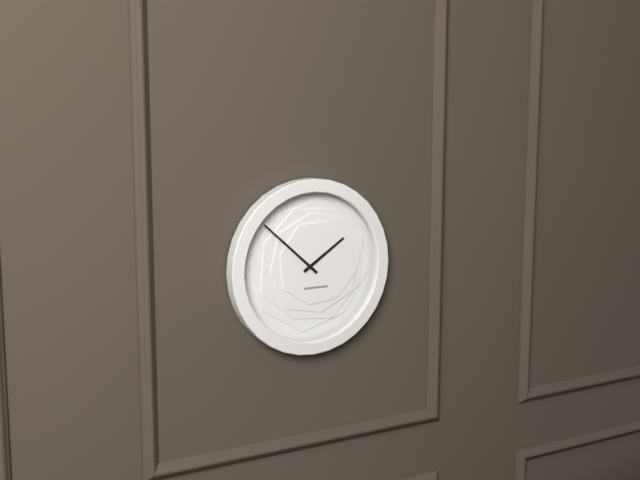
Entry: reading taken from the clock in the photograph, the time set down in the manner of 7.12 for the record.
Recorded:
1.52
